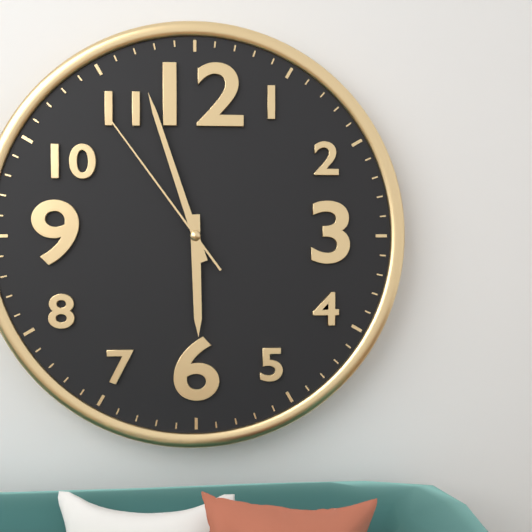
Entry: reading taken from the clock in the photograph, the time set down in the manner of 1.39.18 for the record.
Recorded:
5.57.54
